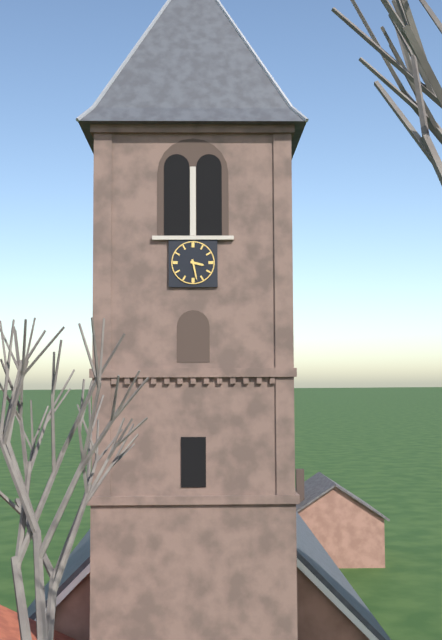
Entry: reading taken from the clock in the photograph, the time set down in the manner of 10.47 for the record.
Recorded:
3.28
